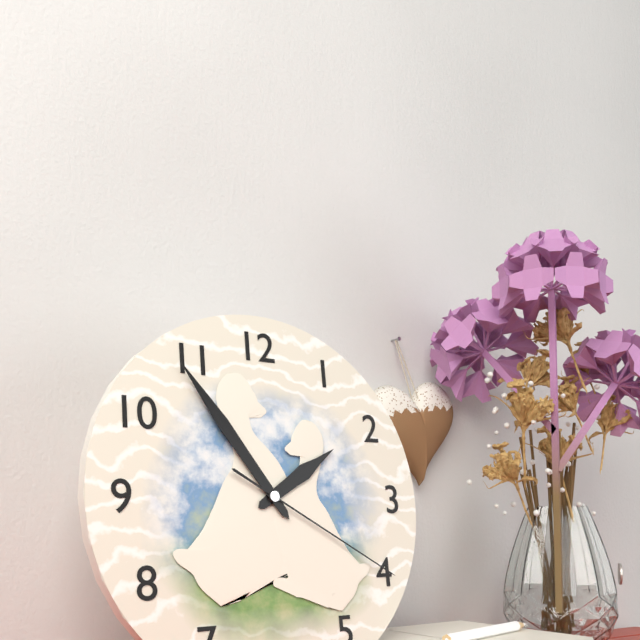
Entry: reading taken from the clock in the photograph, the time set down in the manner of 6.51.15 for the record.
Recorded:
1.54.20
